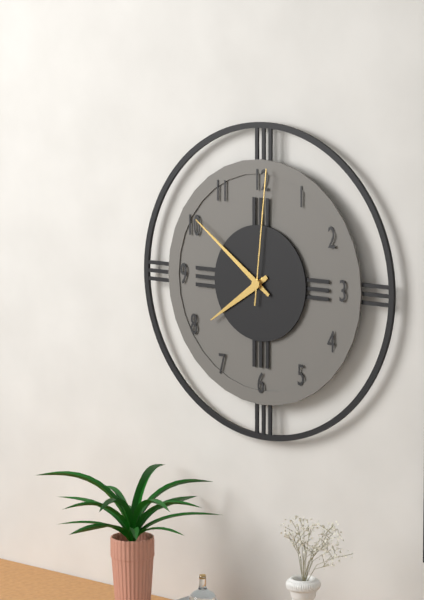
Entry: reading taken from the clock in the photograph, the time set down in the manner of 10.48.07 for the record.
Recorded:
7.51.01
